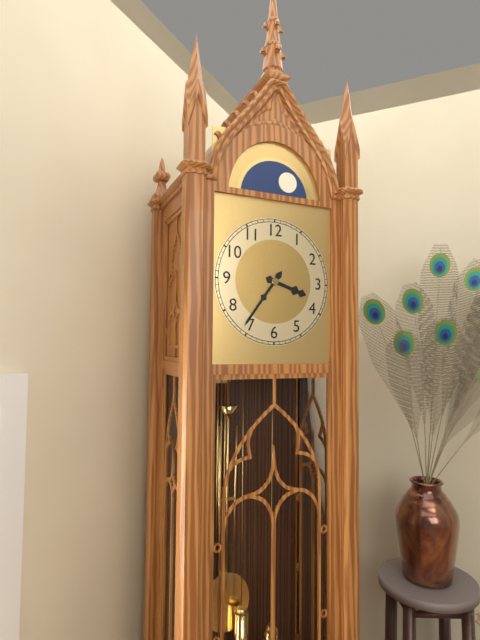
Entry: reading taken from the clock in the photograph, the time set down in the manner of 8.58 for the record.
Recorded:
3.36
